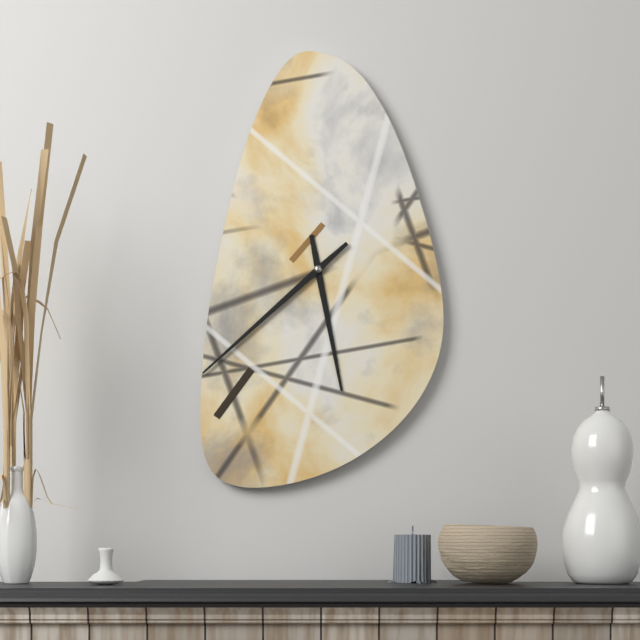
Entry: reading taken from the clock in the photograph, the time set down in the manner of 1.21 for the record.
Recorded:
5.38
